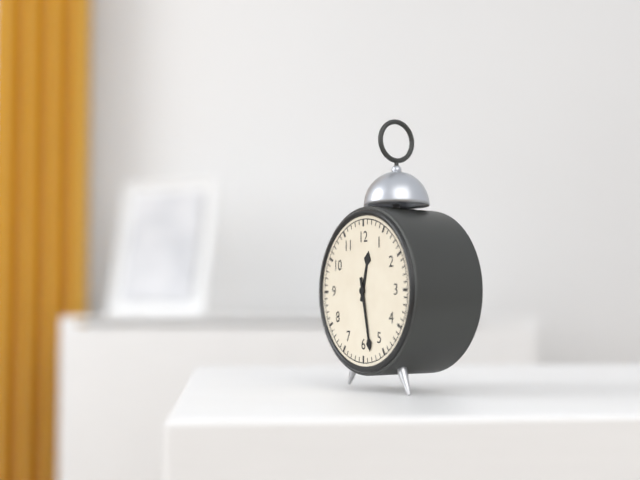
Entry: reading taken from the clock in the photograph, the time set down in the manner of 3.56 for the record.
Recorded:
12.28
